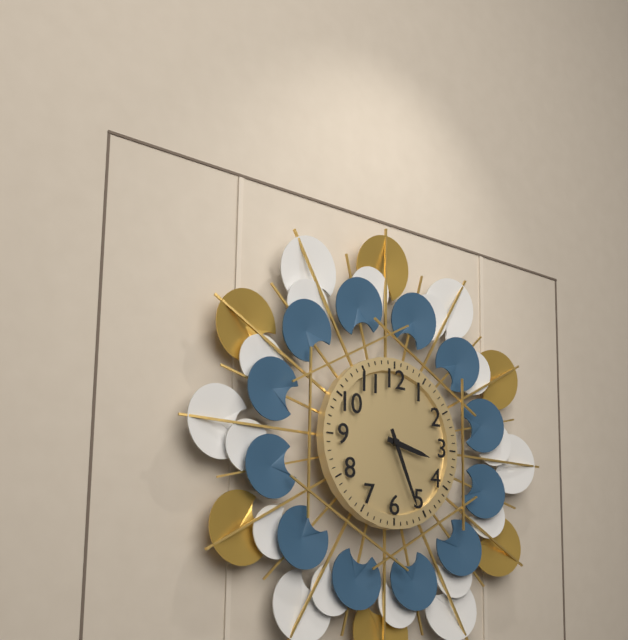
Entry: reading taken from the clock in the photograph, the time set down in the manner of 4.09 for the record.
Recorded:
3.26
